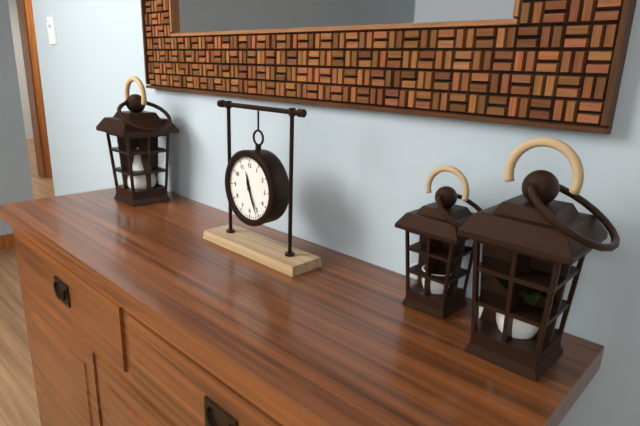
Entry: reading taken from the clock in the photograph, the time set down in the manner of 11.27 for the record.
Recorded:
11.26
